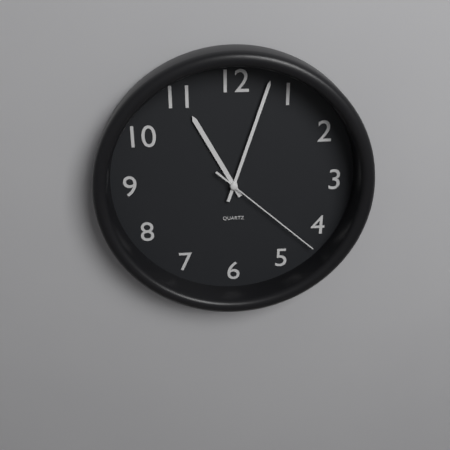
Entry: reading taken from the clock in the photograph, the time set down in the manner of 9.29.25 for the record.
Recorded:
11.03.22
